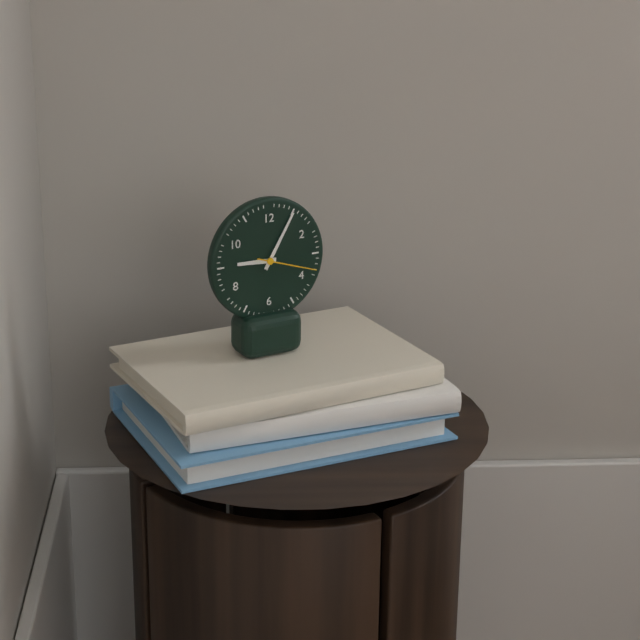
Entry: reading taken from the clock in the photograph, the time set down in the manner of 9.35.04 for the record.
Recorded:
9.05.18
